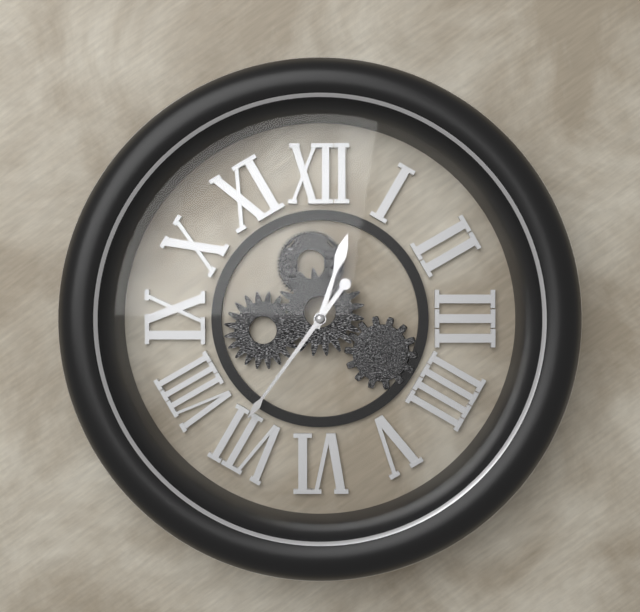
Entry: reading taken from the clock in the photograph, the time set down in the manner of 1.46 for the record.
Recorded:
12.36
